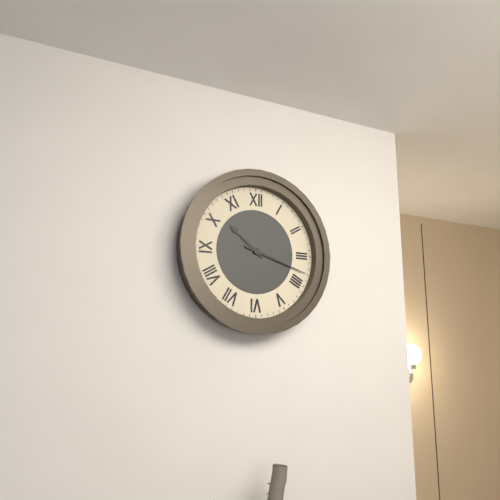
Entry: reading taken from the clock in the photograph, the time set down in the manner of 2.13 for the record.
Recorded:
10.18
